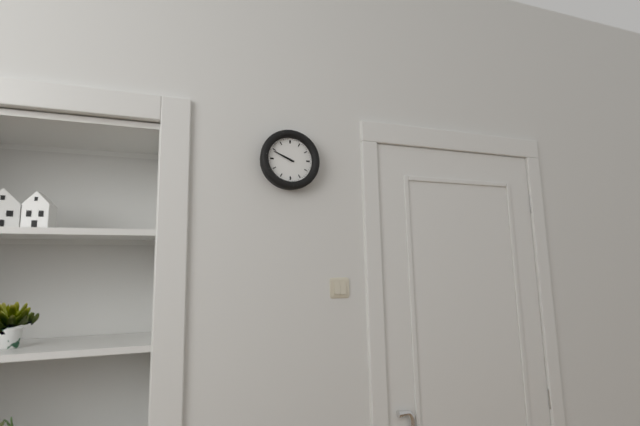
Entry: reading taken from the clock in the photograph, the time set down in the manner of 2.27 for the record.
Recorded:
9.49
